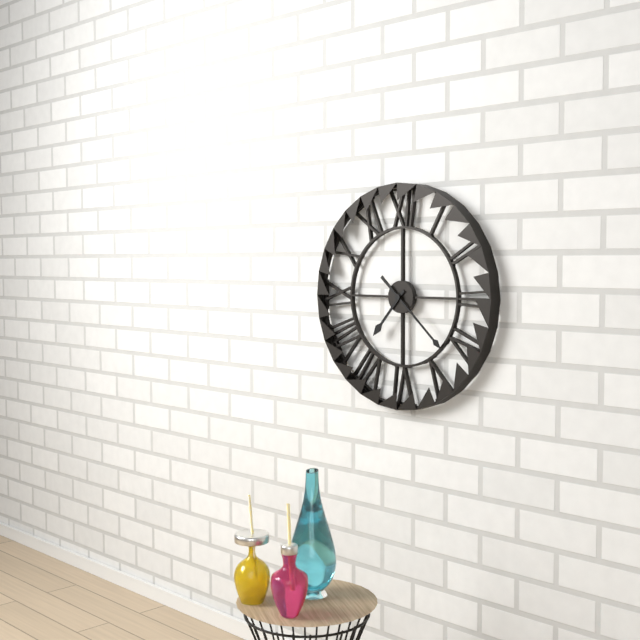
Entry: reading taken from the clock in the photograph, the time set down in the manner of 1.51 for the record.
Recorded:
7.22
